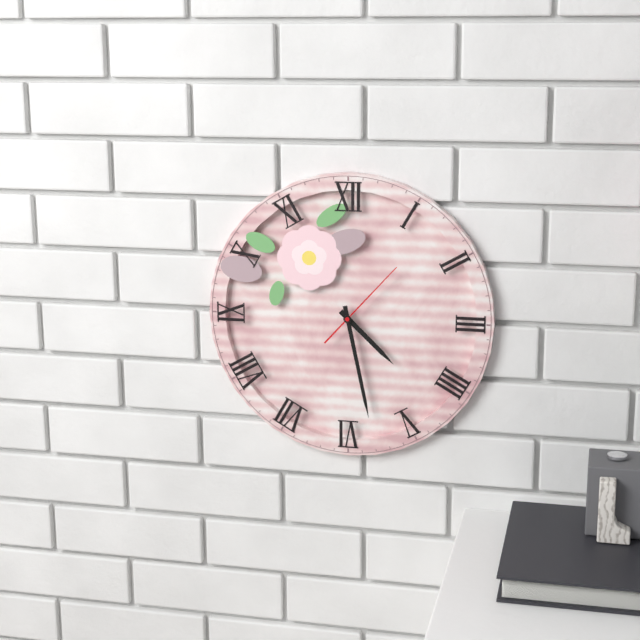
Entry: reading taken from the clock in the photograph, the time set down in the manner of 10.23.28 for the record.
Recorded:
4.28.07
